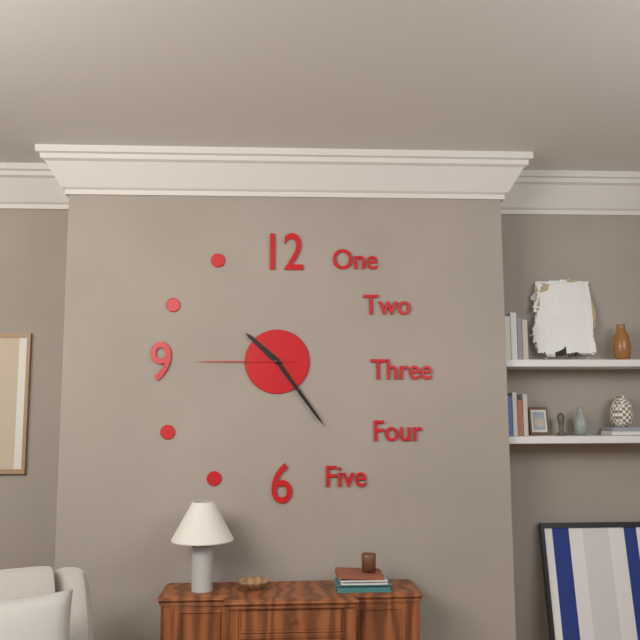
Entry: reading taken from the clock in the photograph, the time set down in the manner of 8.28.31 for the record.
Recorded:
10.24.45
